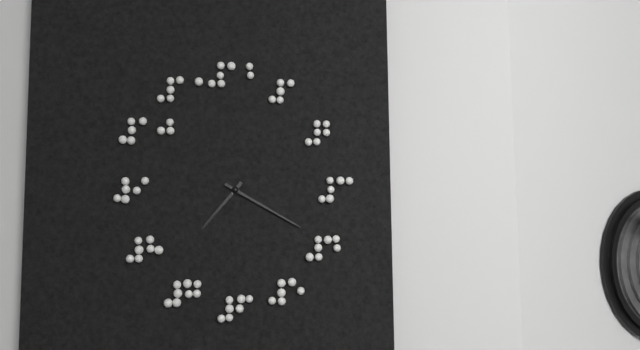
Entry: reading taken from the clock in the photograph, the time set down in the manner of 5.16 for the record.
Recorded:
7.20
